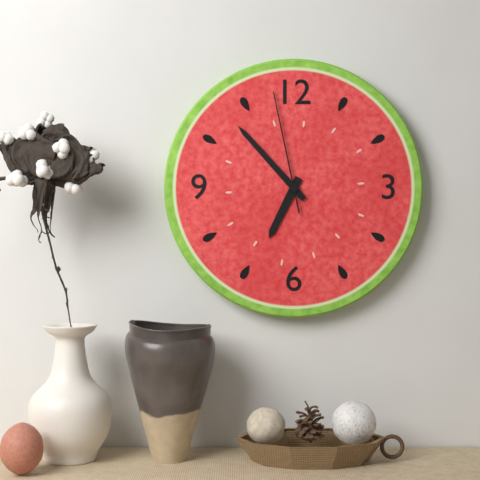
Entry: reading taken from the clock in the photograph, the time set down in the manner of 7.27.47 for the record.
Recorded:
6.53.58
